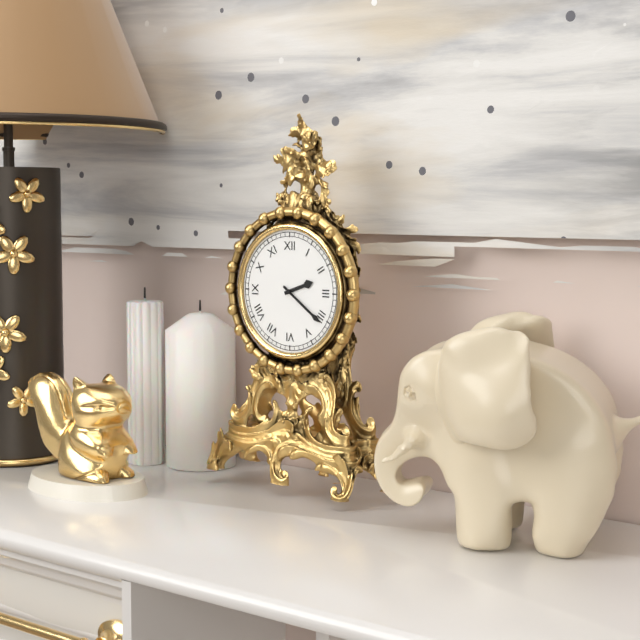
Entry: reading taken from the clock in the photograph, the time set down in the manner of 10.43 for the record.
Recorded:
2.21
